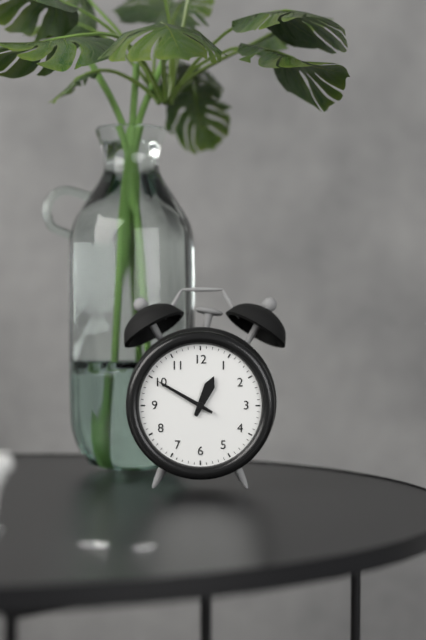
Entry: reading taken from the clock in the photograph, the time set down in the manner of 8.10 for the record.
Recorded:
12.50
